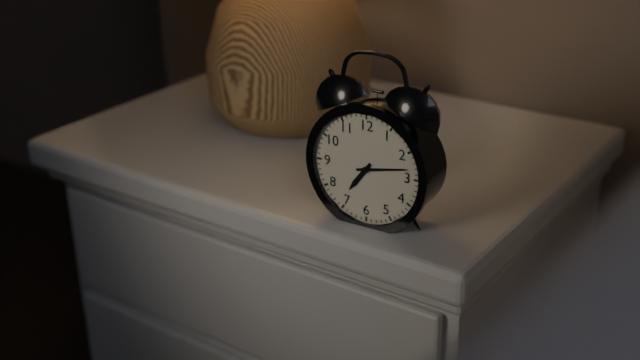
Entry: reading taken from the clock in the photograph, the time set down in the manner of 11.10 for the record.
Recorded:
7.13
